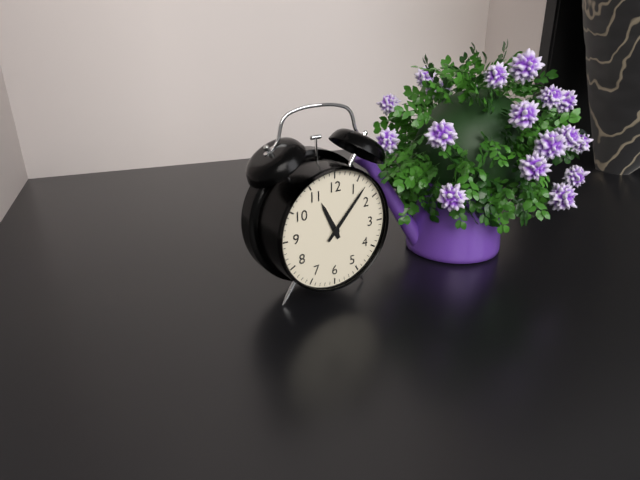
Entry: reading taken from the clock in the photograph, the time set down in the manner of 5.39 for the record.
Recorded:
11.07
